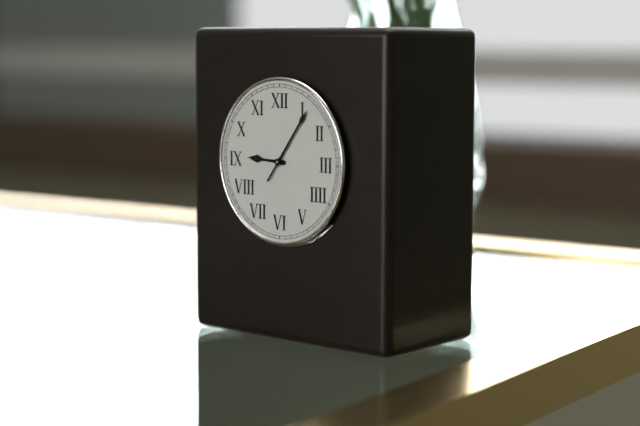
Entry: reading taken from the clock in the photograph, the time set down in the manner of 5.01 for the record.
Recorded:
9.06
